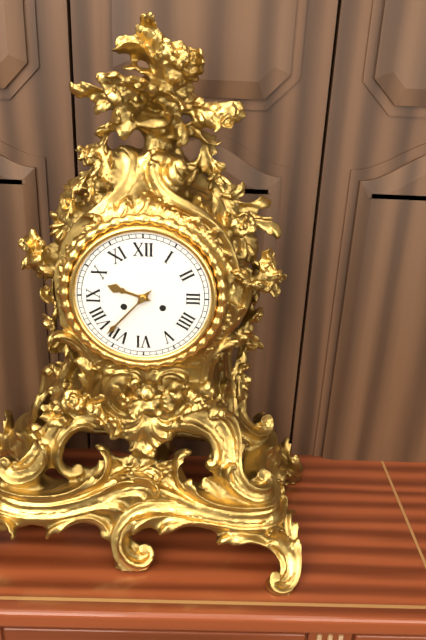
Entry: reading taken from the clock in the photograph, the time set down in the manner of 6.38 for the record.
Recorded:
9.37
